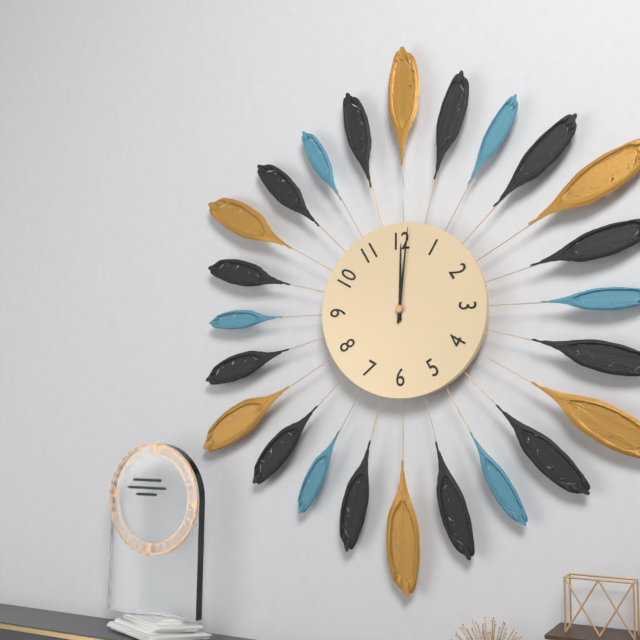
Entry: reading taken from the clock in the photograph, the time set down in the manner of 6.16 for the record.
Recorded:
12.01
